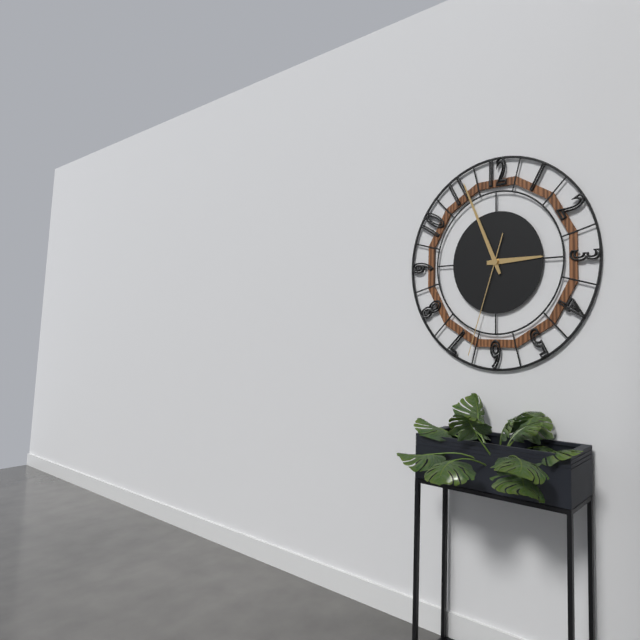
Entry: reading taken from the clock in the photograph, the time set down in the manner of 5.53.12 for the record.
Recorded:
2.56.33
